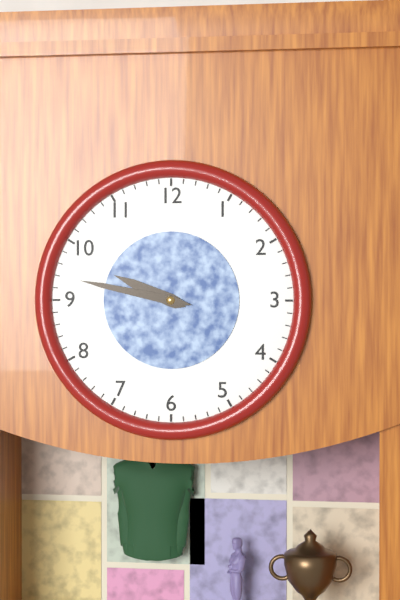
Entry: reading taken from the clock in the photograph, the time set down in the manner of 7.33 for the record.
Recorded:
9.47
